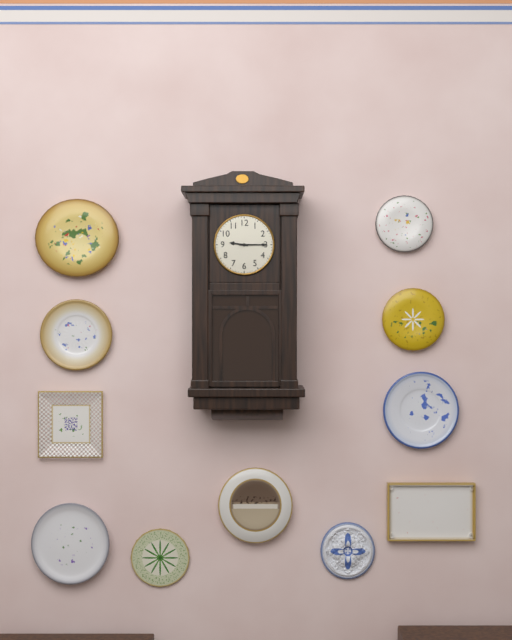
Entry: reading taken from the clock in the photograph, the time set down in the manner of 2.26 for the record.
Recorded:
9.15
